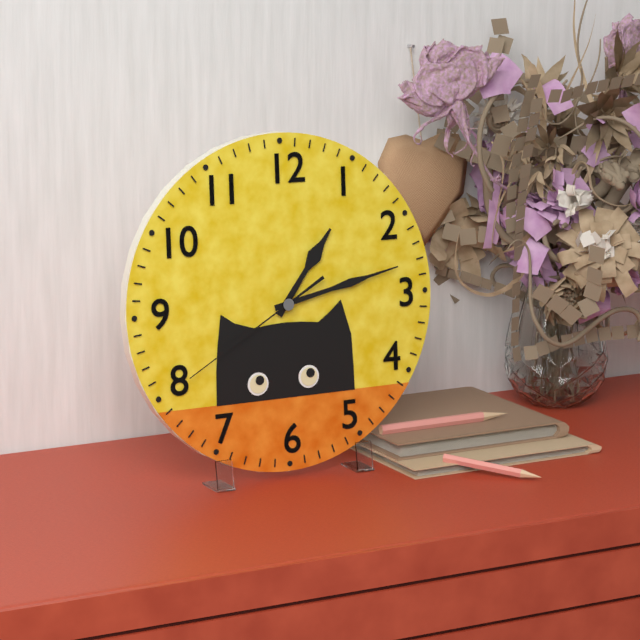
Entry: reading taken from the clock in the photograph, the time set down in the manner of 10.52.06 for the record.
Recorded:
1.13.40
